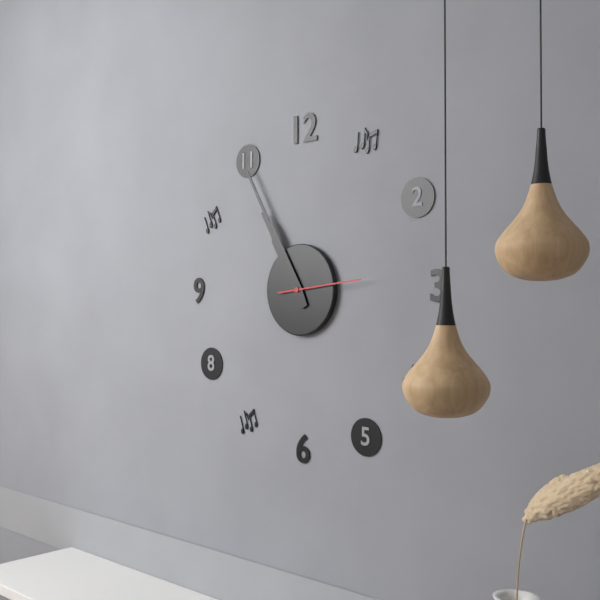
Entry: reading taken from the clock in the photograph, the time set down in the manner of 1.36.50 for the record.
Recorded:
10.55.14
